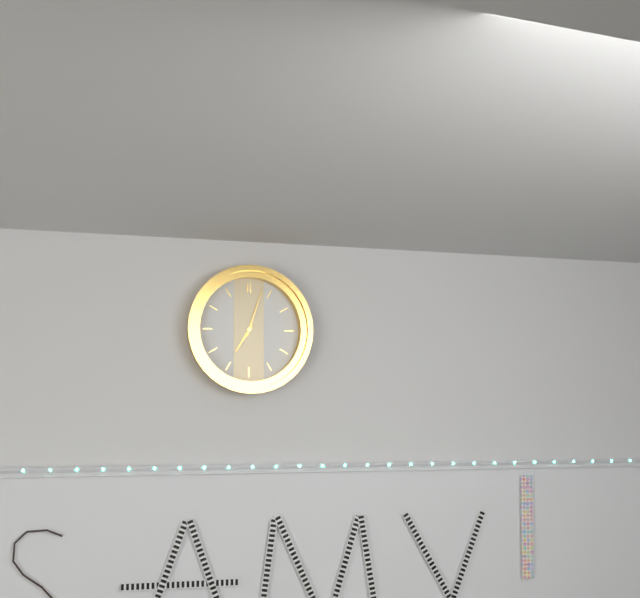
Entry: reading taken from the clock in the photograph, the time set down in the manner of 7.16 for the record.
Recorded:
7.03
